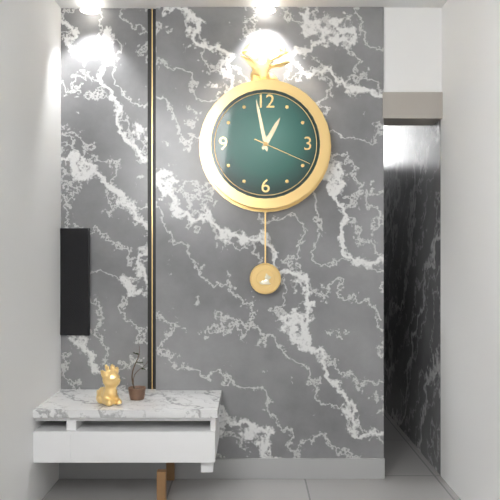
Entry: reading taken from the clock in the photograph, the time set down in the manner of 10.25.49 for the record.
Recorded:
12.58.19
